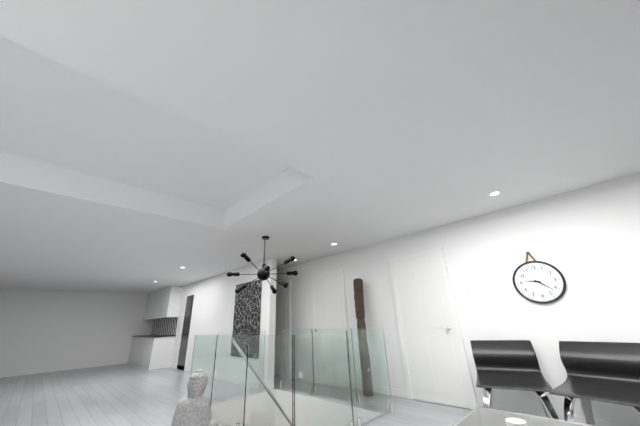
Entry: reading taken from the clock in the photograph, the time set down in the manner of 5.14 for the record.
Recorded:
9.22
